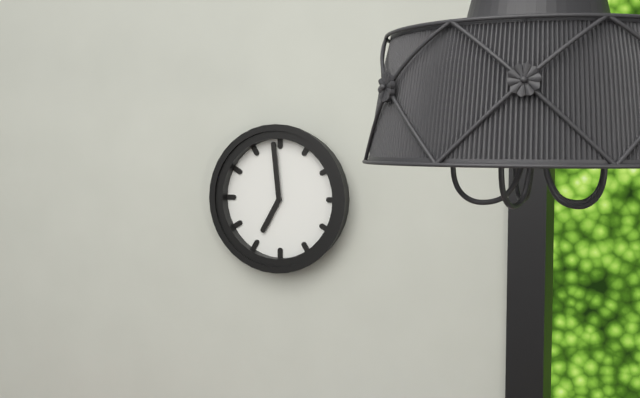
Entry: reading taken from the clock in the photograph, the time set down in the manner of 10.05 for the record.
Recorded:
6.59
